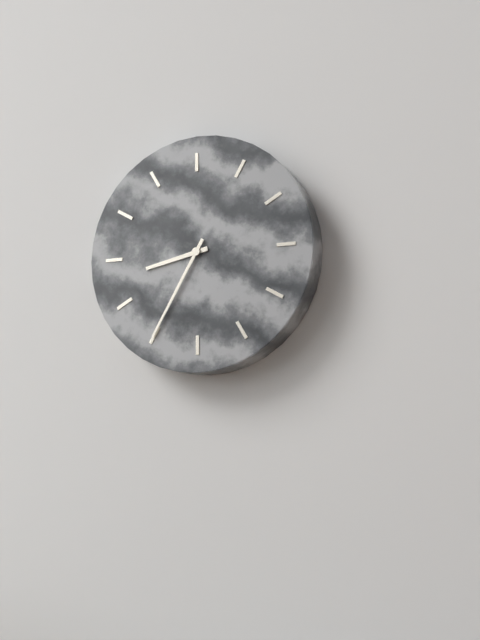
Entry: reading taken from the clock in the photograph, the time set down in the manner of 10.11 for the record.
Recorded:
8.35
